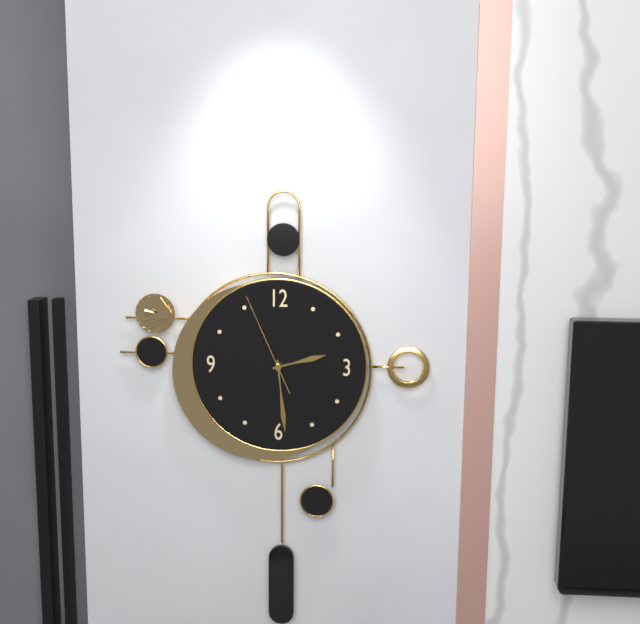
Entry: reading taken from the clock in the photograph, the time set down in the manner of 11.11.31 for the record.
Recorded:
2.29.56
